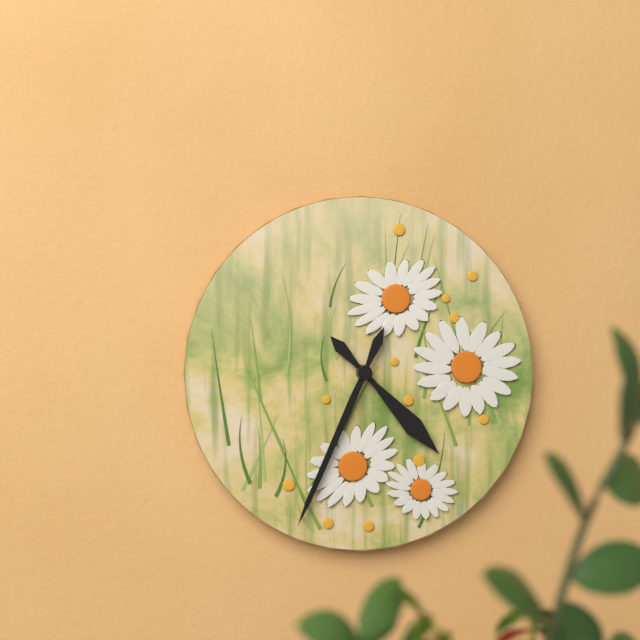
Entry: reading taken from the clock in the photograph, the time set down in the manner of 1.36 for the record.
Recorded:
4.34
